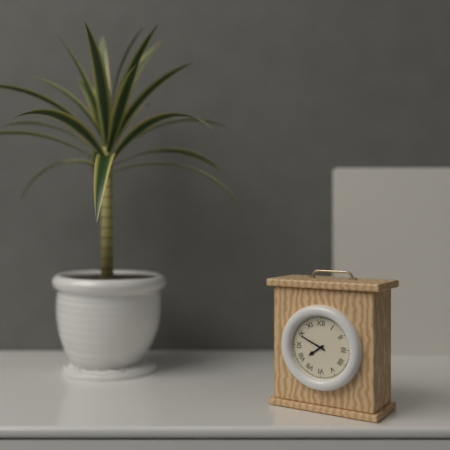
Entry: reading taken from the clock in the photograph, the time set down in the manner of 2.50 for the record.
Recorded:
7.49
